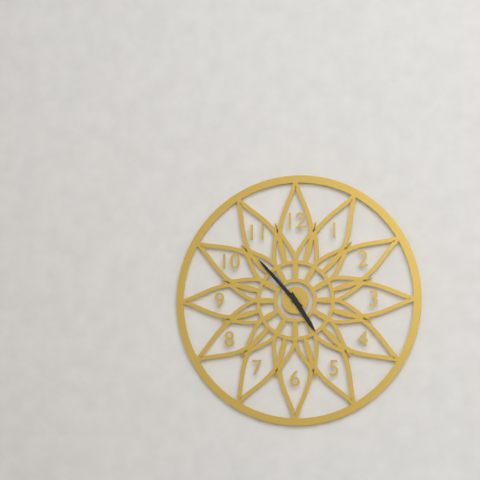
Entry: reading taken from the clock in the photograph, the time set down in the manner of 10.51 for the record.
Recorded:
4.53
